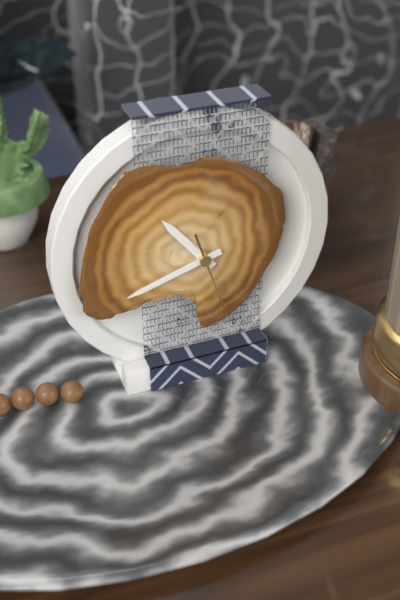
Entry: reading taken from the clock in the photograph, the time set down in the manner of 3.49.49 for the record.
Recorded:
10.42.27
